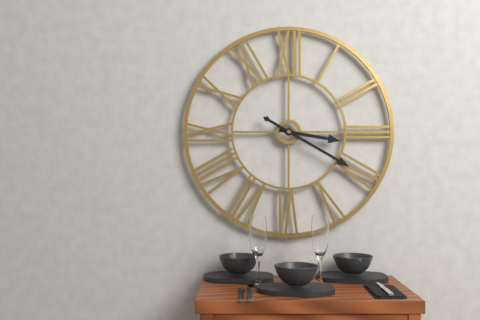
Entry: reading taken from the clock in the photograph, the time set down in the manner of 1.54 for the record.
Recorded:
3.20
